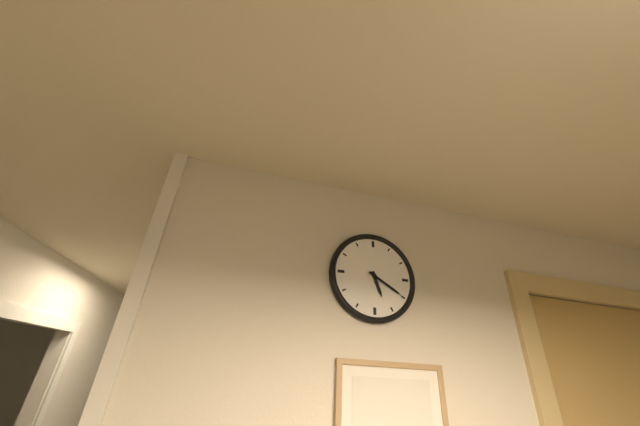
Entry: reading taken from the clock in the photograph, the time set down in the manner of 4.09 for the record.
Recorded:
5.20
